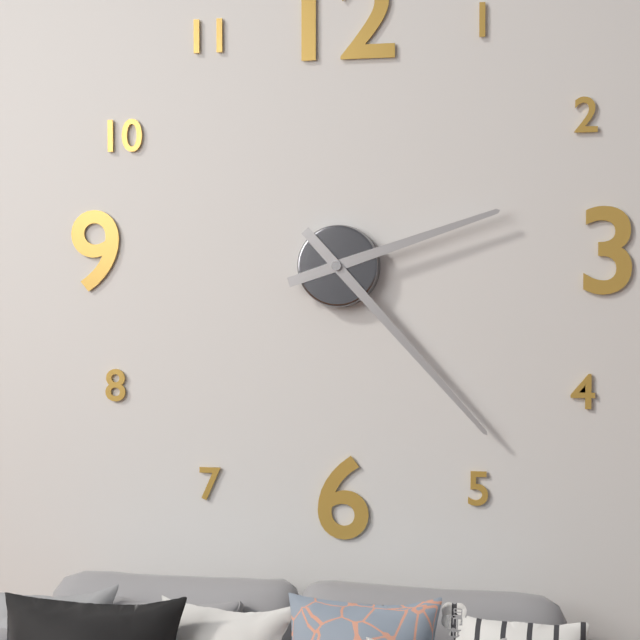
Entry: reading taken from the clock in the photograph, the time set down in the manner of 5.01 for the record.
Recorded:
2.23
